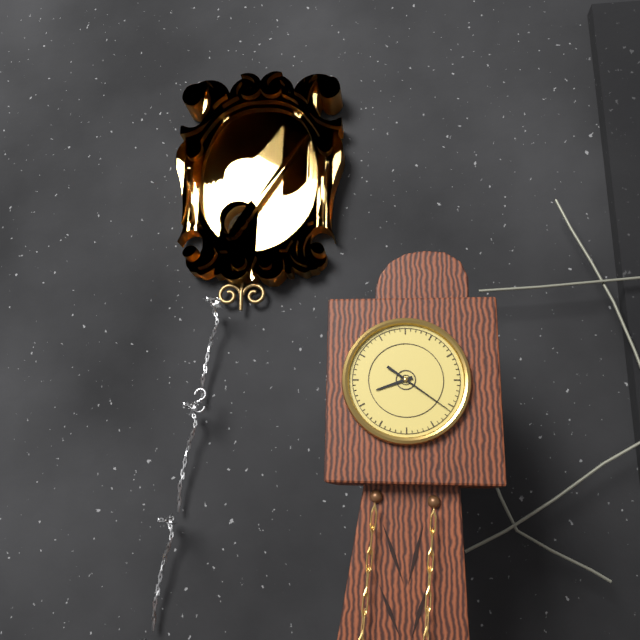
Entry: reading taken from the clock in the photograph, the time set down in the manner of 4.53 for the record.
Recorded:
8.21
